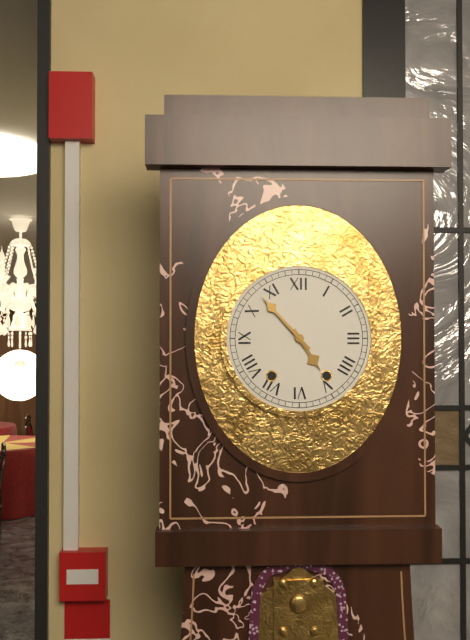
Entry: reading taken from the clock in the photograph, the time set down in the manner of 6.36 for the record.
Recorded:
4.53
